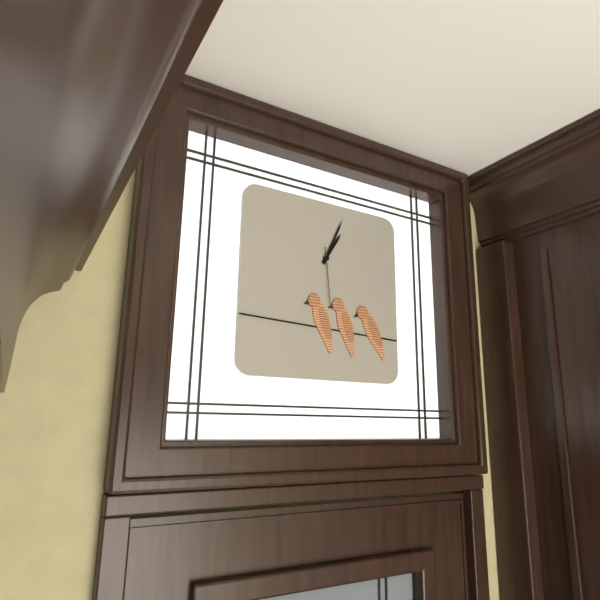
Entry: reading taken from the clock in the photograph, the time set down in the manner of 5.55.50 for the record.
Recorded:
1.04.29
